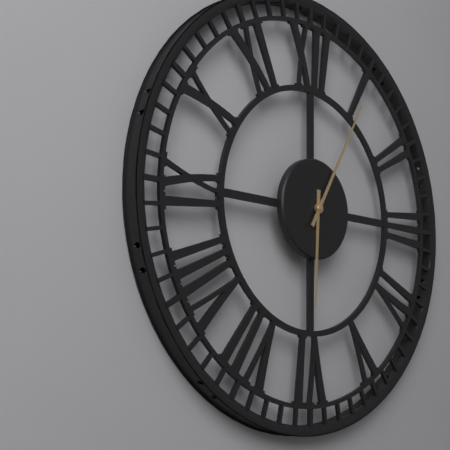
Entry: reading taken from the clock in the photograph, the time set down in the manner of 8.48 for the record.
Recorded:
6.05
